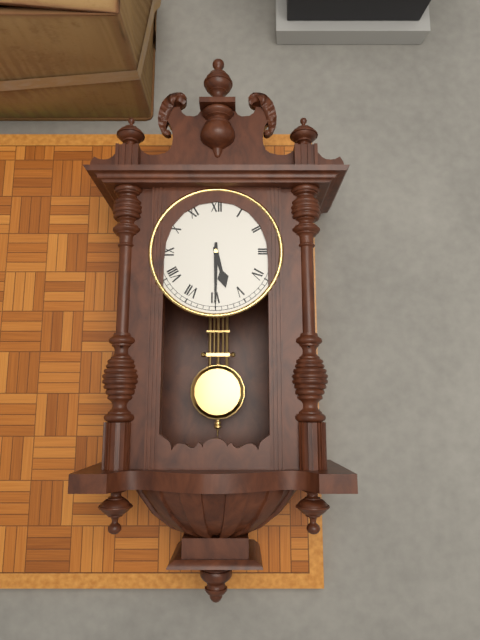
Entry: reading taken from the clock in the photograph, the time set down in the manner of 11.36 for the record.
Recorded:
5.30
